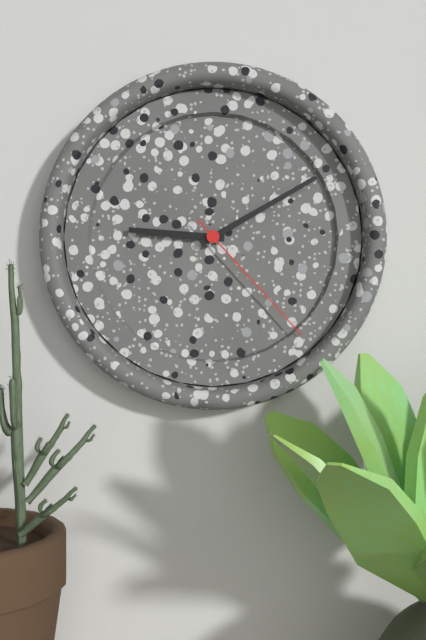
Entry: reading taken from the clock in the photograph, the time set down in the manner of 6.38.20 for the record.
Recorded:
9.10.23
